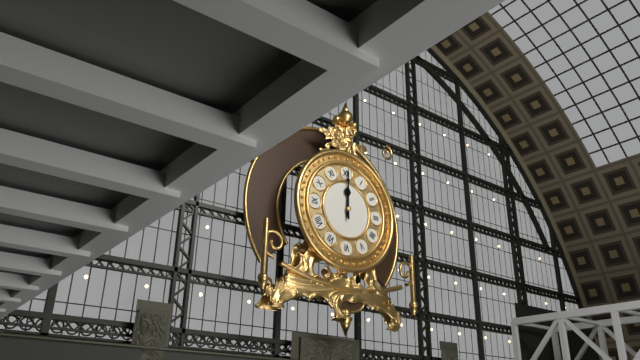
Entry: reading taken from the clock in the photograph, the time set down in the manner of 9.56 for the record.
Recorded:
12.00
